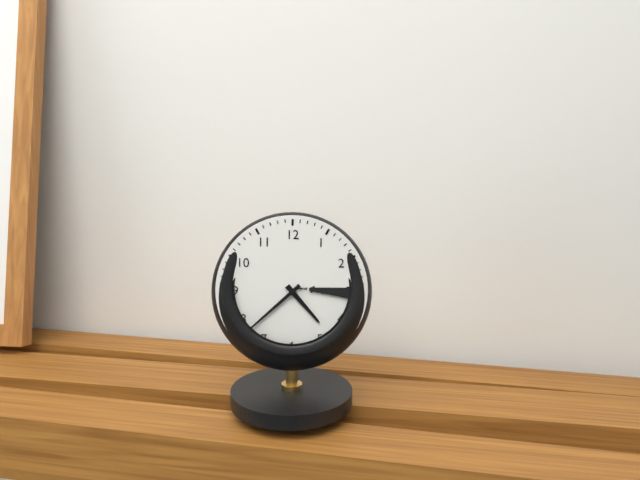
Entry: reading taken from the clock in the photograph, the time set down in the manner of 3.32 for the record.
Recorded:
4.38
